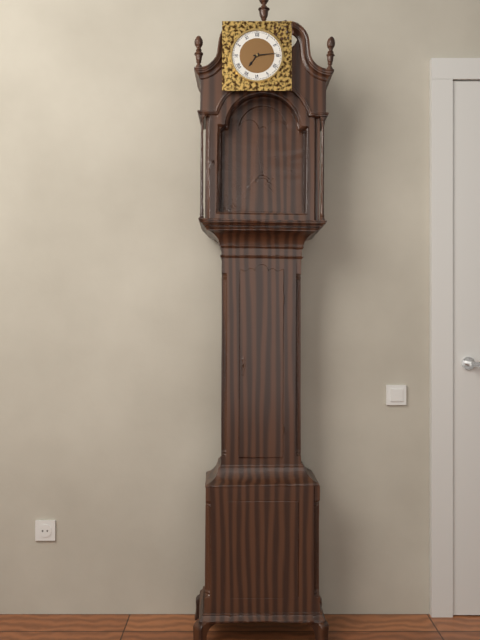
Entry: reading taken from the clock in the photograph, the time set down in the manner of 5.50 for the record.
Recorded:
7.14
